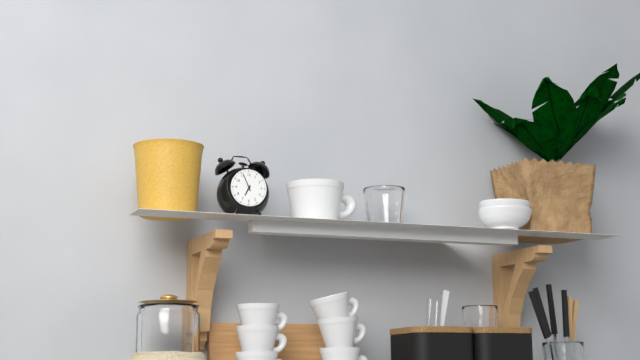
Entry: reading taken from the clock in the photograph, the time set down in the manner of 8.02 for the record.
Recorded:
6.56
